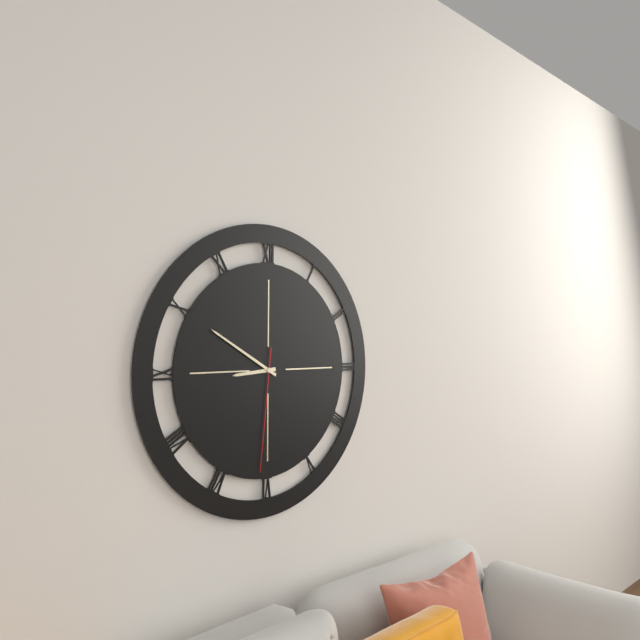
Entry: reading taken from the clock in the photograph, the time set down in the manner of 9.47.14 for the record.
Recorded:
8.50.31
